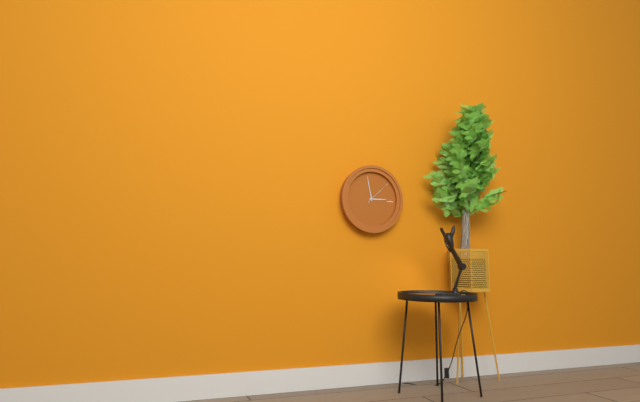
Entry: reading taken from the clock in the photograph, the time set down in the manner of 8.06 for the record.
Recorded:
2.58
